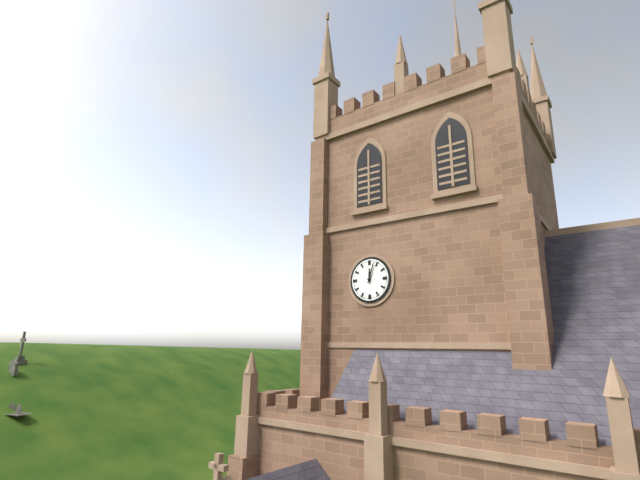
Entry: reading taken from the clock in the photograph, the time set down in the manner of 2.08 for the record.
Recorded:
12.03
